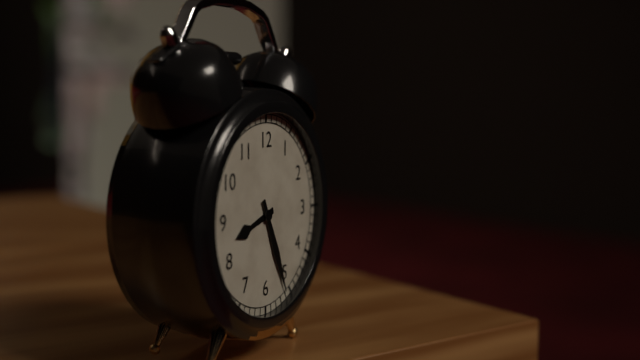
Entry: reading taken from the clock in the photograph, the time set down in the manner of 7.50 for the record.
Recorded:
8.26
